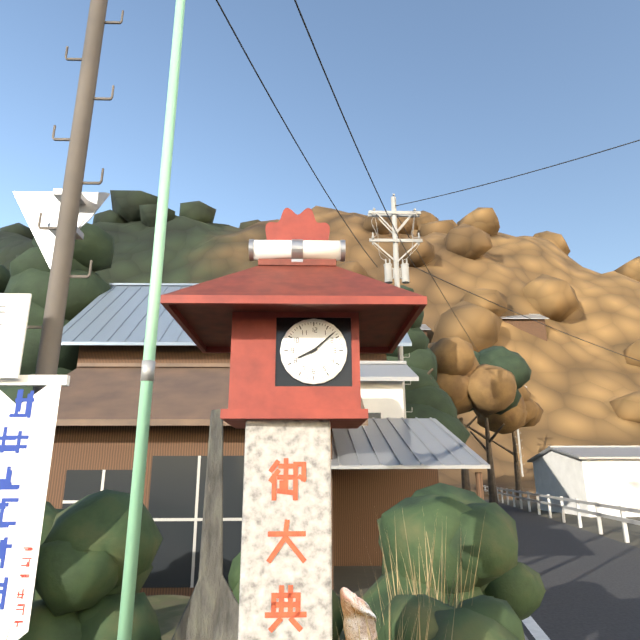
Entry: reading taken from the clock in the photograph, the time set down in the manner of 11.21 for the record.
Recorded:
8.08
